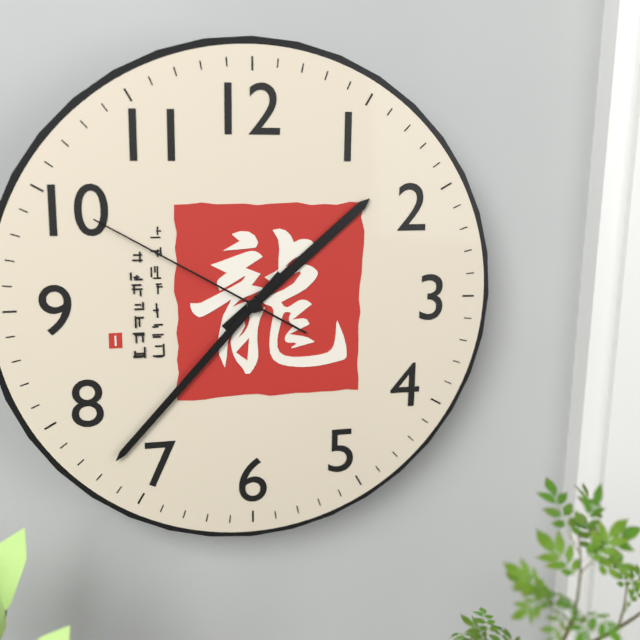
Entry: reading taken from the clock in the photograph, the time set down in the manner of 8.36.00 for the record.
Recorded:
1.37.50
